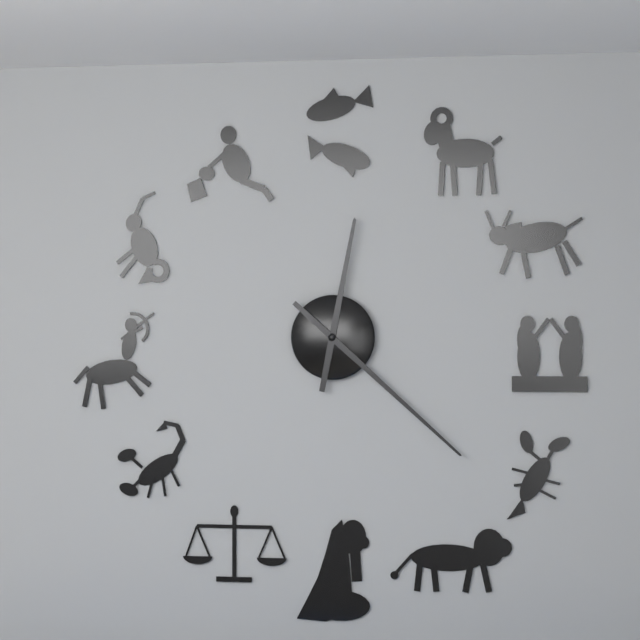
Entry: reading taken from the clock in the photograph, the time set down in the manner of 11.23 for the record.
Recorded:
12.22
